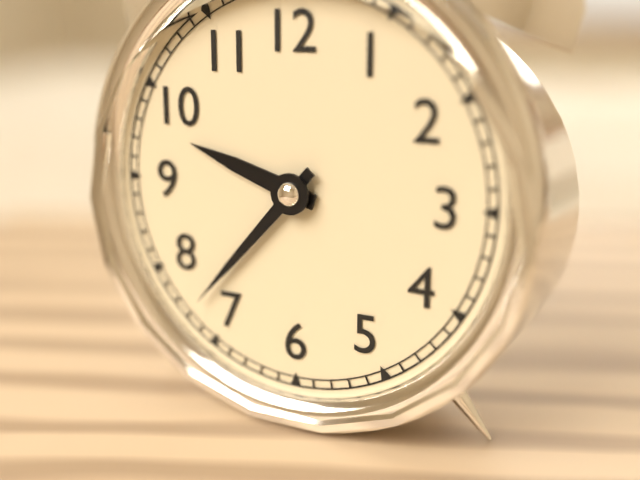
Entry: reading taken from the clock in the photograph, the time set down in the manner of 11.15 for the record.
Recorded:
9.37
